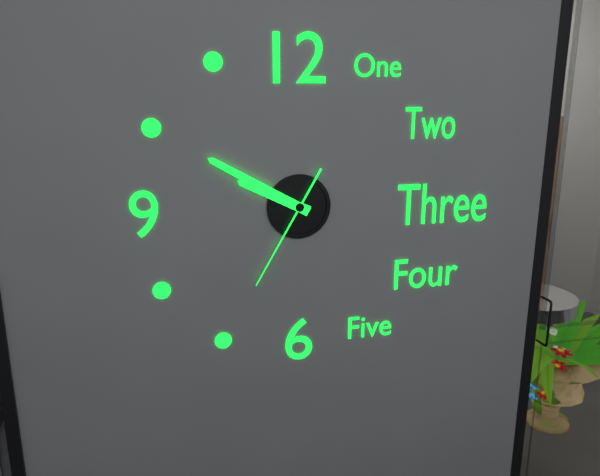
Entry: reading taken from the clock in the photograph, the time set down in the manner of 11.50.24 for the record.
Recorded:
9.50.35
